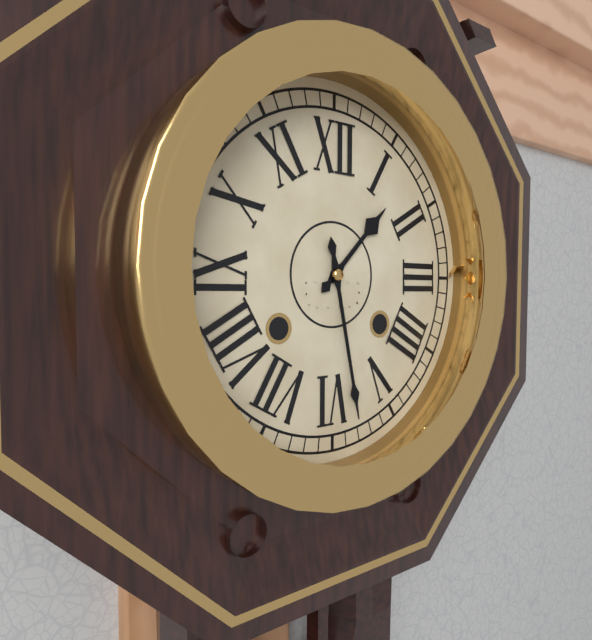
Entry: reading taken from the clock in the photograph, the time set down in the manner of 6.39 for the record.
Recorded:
1.28
